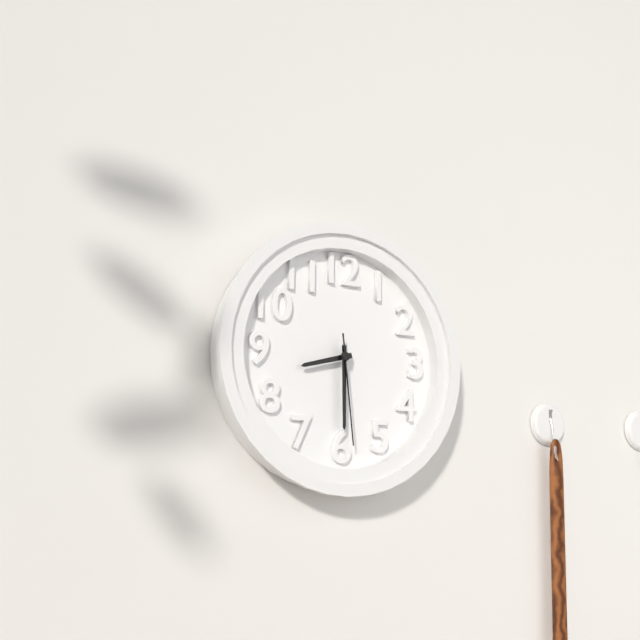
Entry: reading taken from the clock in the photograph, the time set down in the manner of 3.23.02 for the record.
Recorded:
8.30.29
